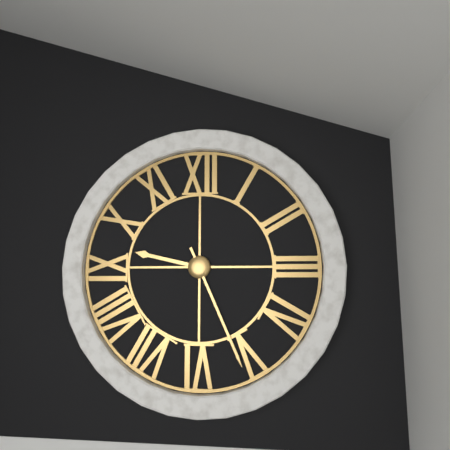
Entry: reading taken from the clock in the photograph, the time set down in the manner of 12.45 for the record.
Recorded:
9.26
